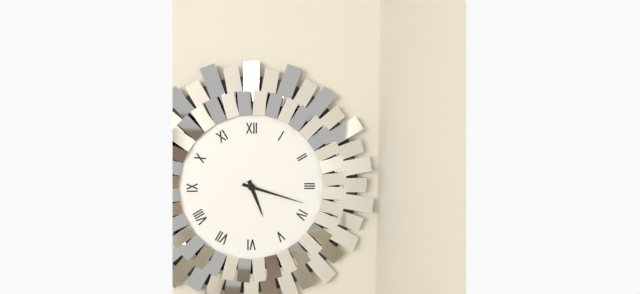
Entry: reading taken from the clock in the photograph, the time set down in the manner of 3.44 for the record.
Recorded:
5.18
